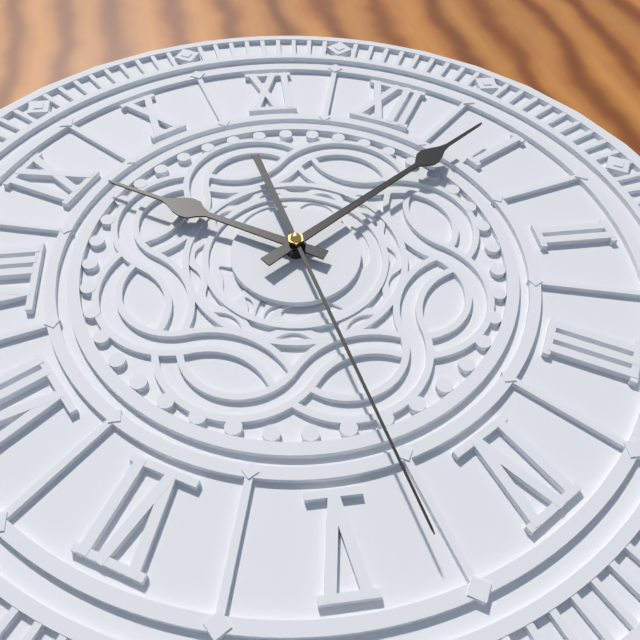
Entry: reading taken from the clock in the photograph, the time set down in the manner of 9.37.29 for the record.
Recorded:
9.04.23
